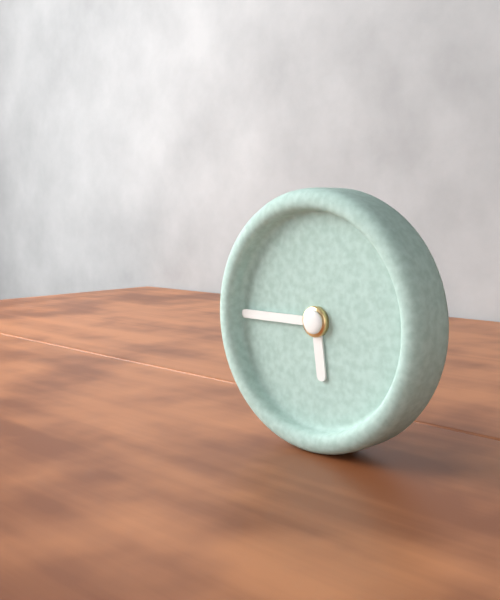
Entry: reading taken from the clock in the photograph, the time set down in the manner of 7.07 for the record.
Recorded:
5.45
